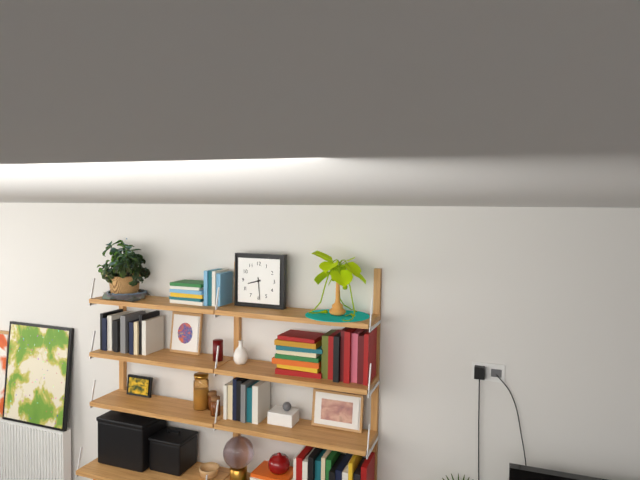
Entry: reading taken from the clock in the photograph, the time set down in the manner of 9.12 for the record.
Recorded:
8.29
